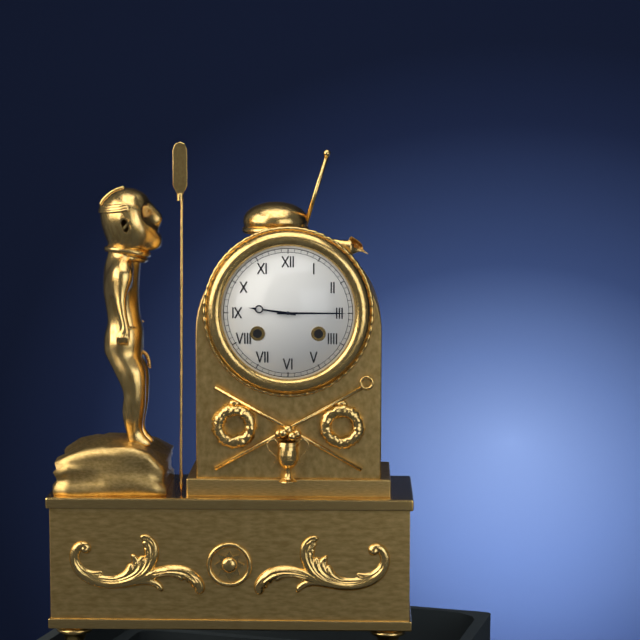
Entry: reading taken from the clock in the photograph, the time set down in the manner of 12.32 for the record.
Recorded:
9.15
